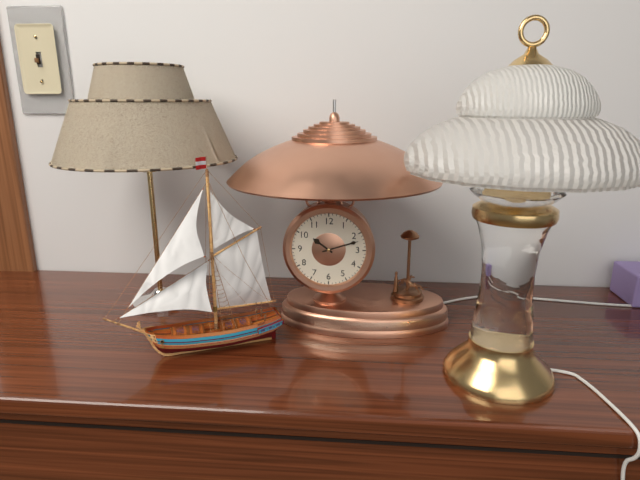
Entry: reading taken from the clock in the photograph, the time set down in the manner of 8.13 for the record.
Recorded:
10.12
